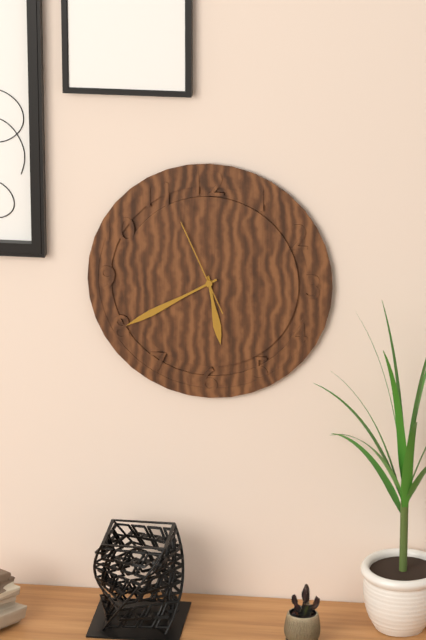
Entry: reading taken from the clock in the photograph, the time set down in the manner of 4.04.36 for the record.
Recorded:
5.40.56
